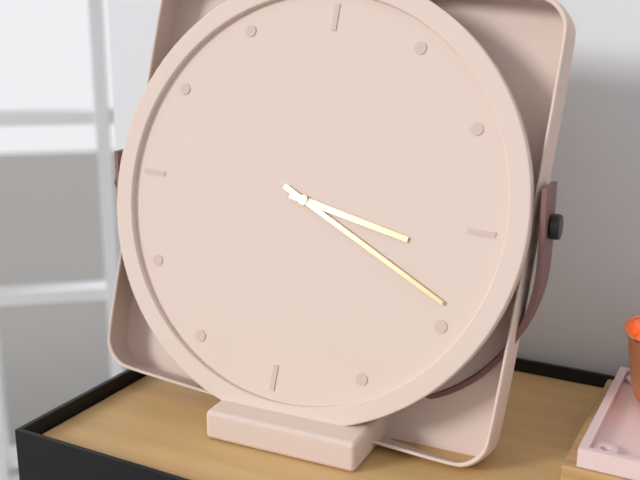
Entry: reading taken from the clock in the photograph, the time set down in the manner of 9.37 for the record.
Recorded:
3.19
